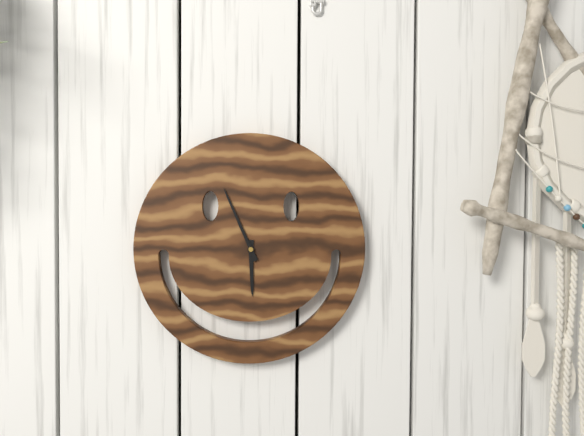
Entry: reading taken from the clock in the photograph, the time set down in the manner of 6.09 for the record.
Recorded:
5.56
